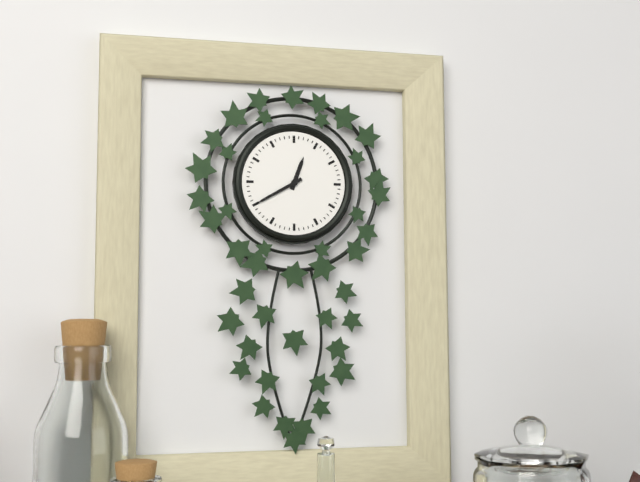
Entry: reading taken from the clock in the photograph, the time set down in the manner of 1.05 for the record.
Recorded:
12.40
